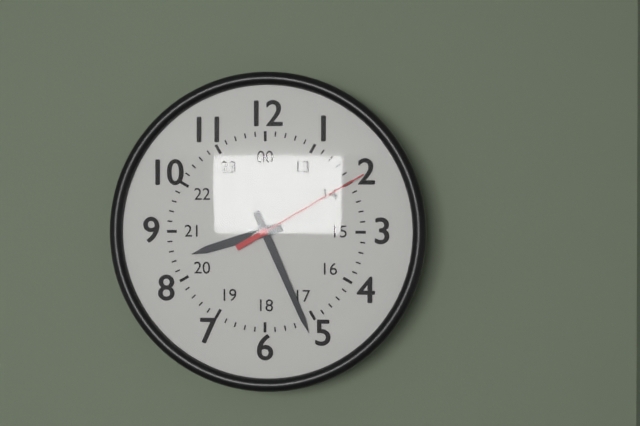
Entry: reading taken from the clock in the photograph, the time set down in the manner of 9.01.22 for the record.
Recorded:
8.26.10
